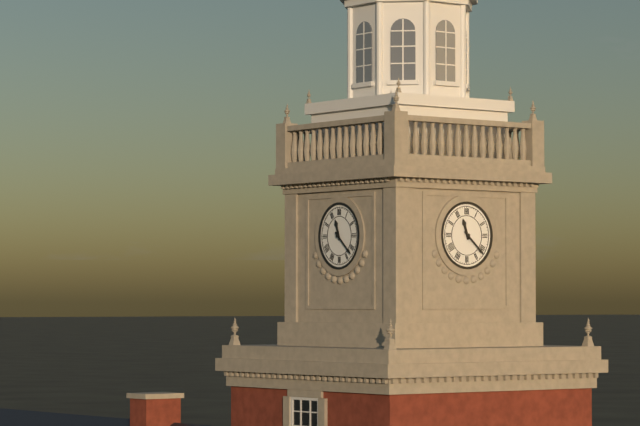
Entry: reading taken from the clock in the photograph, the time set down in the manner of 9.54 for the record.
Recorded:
11.22
